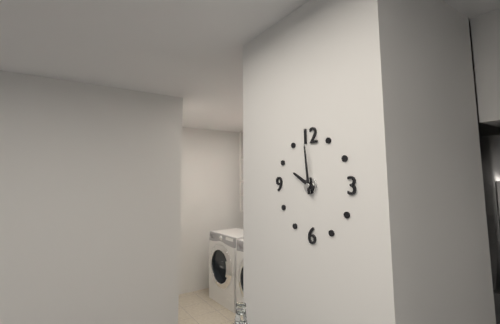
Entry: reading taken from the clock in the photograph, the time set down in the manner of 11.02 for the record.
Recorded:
9.59
